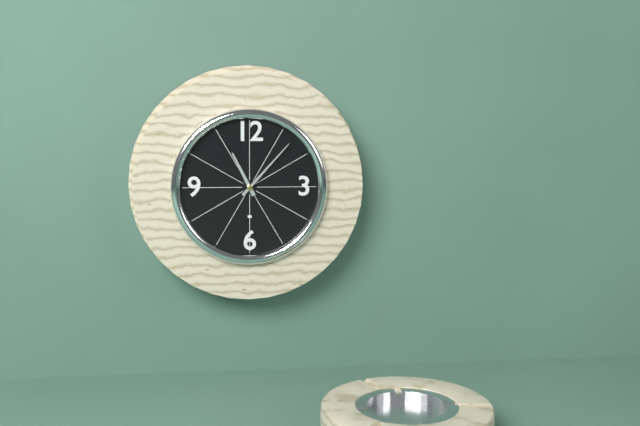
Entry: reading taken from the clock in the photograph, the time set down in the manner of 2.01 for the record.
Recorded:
11.07
